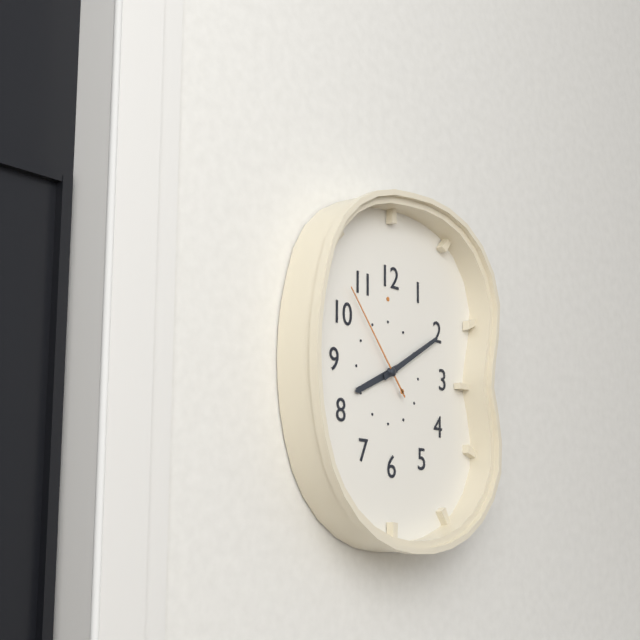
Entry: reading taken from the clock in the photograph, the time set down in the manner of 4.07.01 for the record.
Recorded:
8.10.53
